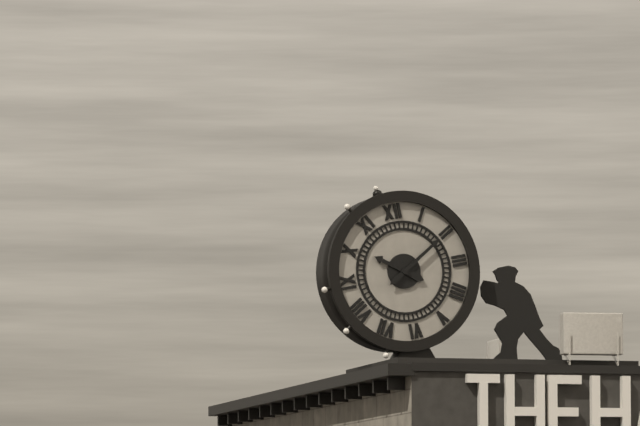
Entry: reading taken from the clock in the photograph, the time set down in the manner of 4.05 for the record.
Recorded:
10.10
